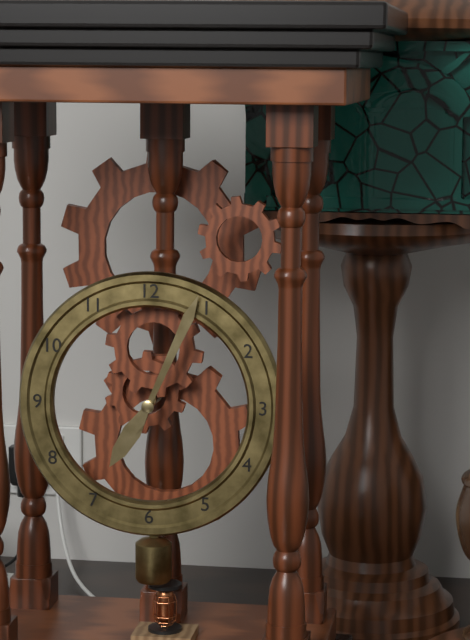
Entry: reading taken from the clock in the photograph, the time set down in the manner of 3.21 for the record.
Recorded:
7.04
